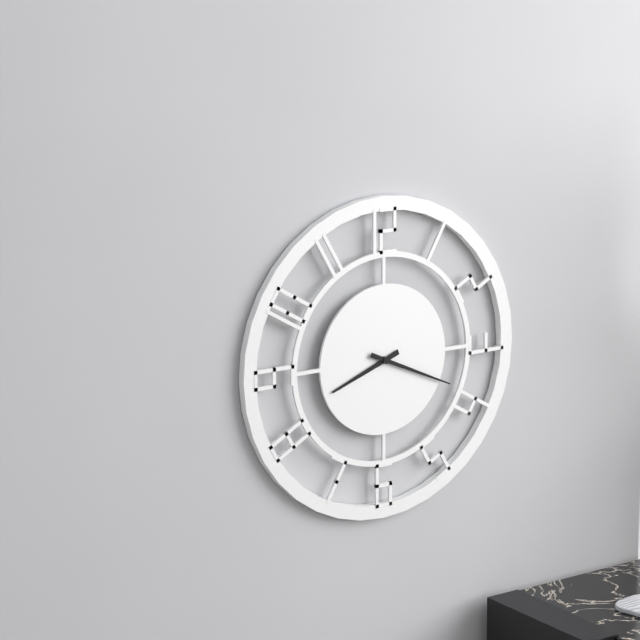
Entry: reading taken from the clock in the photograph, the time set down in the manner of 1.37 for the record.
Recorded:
8.19
